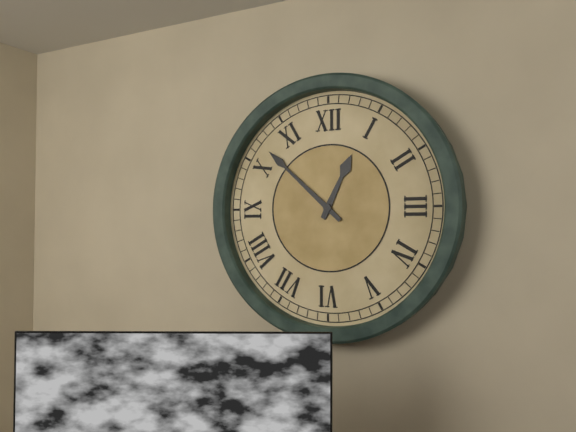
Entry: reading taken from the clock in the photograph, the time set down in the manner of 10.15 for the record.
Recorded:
12.52
